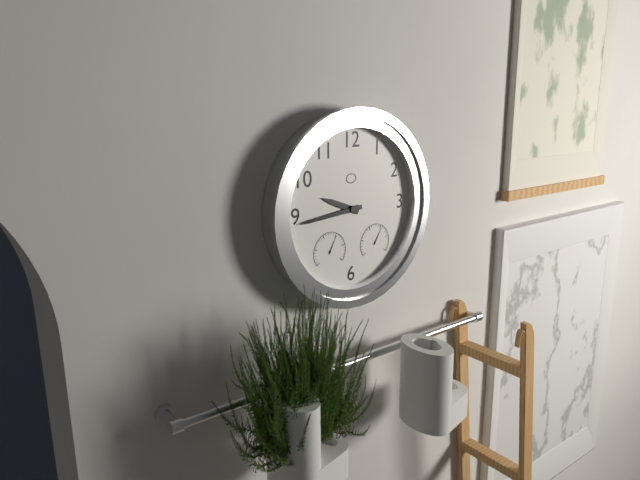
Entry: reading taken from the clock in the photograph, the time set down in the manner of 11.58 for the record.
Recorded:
9.44
